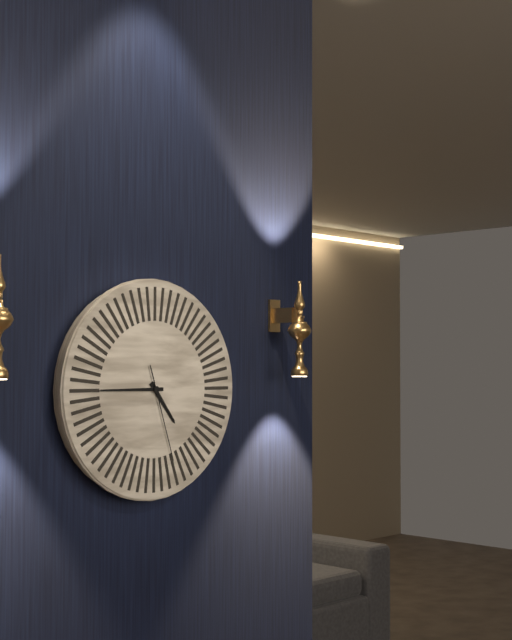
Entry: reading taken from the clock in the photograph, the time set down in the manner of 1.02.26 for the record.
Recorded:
4.45.27
